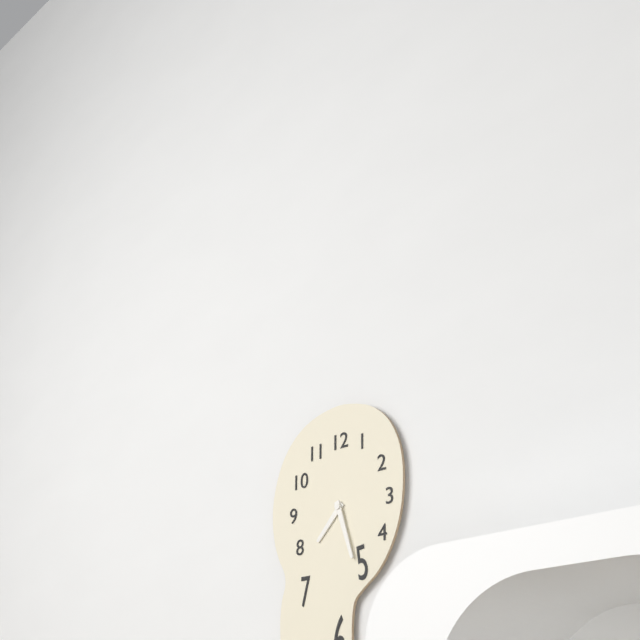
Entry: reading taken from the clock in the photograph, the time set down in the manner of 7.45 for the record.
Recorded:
7.27
